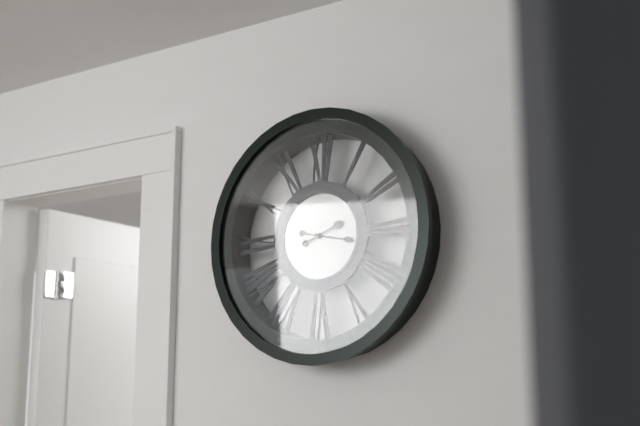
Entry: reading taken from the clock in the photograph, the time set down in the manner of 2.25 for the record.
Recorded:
2.17
